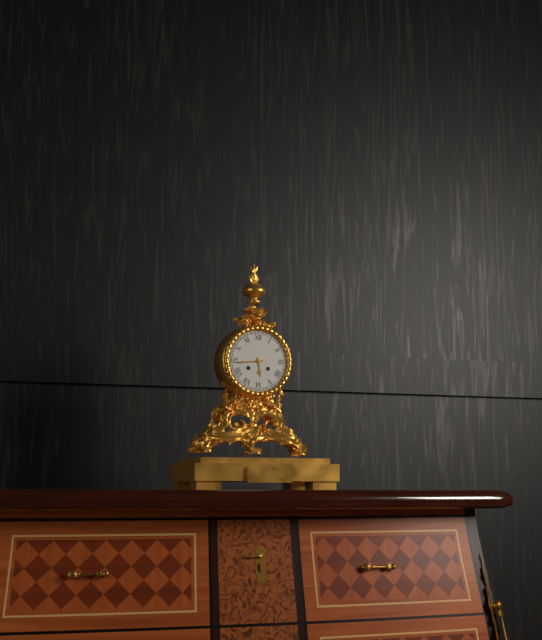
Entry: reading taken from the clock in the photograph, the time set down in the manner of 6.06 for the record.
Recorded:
5.44
